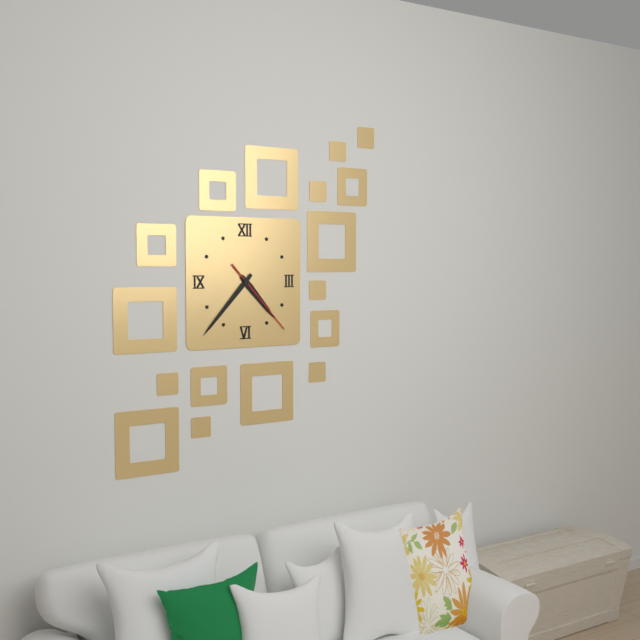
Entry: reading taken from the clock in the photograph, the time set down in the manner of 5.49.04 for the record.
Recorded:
4.37.23
